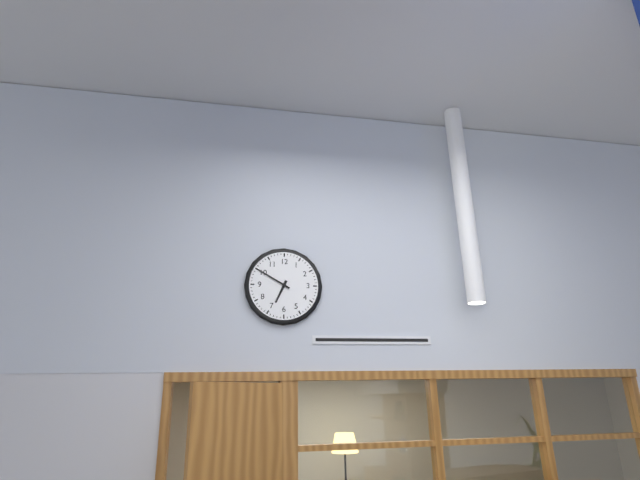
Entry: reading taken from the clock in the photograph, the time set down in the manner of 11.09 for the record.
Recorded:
6.50
